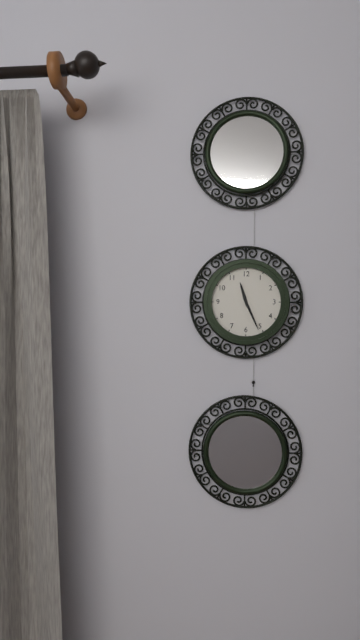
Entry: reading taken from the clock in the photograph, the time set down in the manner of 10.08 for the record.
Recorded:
11.26
